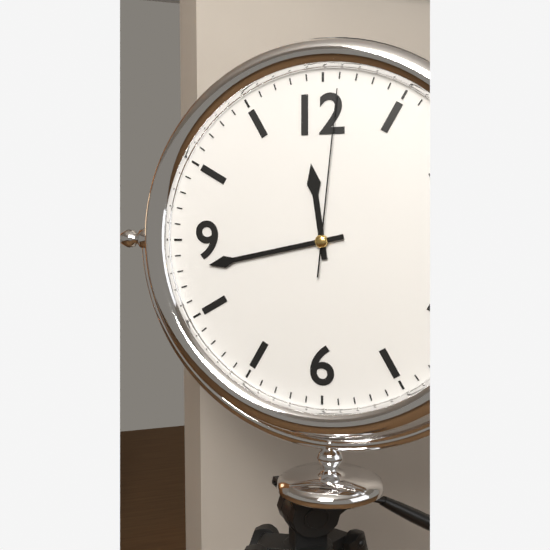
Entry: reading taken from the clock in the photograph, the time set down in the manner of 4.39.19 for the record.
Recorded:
11.43.01
